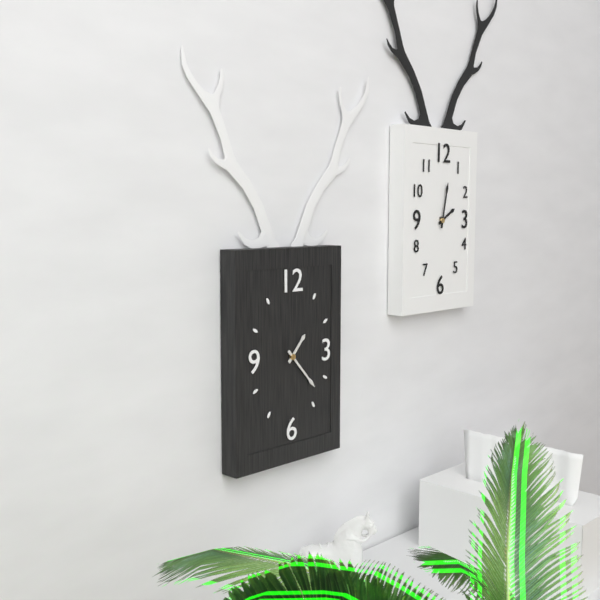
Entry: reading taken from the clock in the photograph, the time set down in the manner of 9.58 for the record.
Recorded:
1.23
